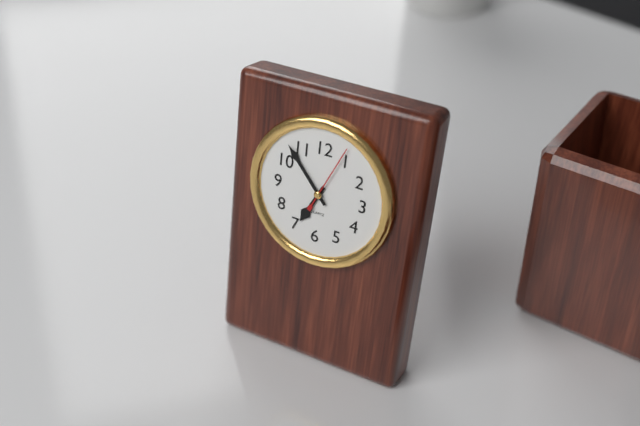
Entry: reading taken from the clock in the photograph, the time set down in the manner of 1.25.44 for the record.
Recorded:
6.53.04
